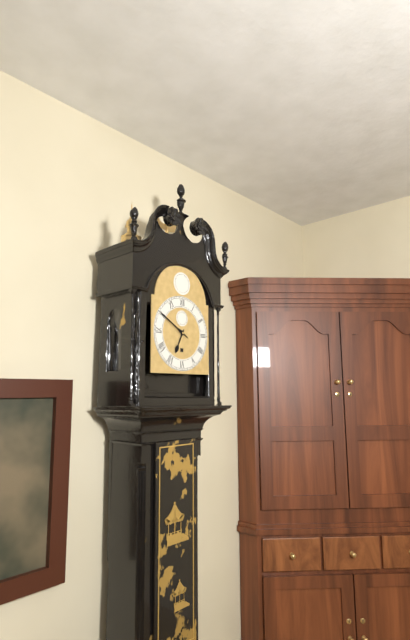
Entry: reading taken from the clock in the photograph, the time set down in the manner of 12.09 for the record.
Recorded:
6.50
